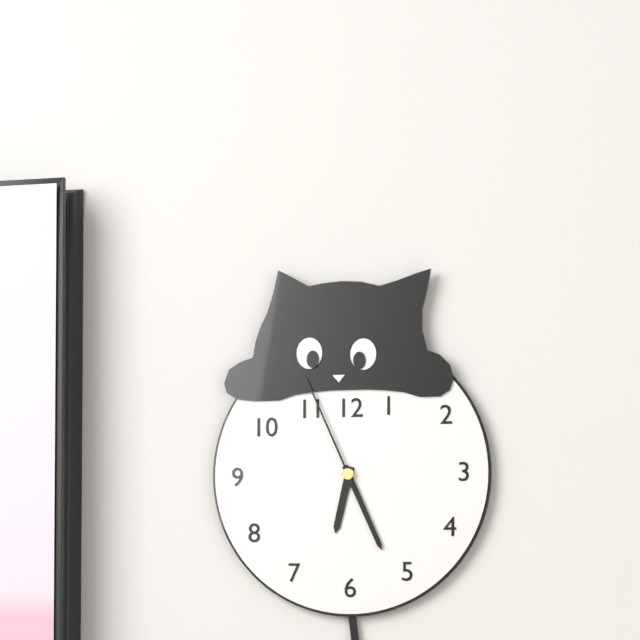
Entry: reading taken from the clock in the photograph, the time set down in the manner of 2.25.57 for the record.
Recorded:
6.26.56
